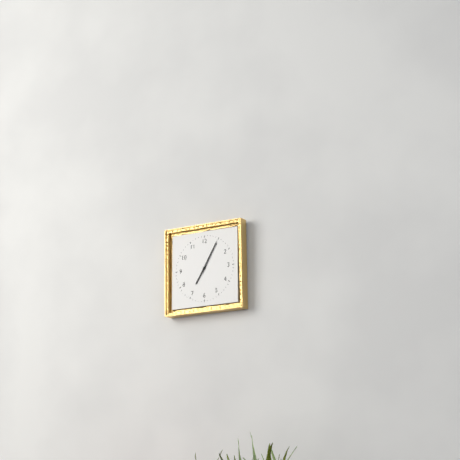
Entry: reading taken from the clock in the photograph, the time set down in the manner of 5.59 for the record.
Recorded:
7.05
